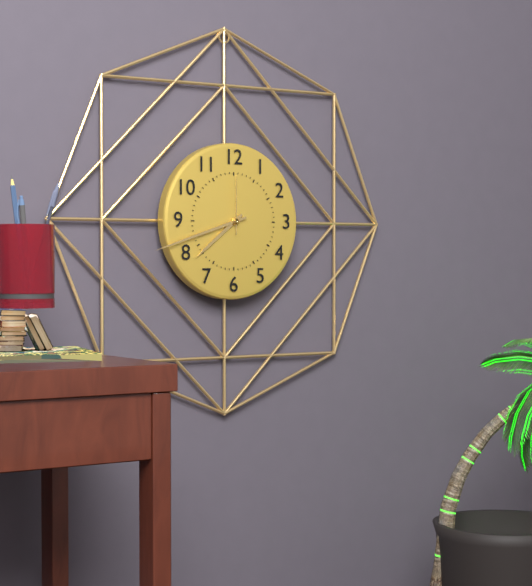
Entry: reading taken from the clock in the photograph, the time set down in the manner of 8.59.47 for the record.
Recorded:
7.42.00
